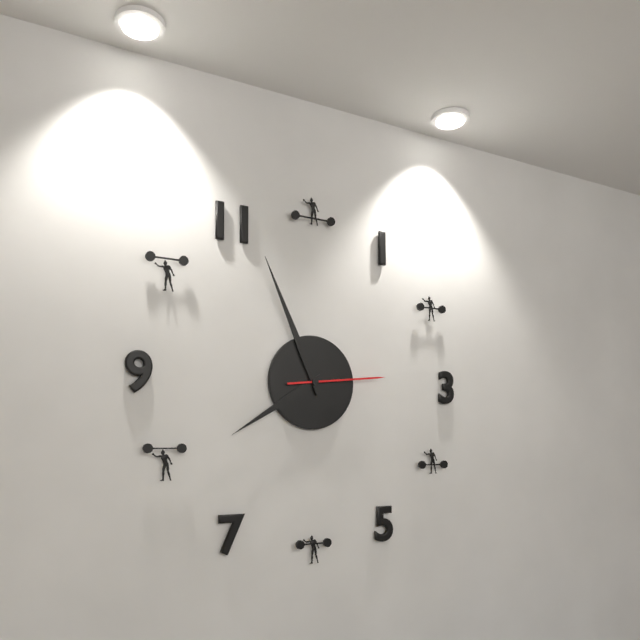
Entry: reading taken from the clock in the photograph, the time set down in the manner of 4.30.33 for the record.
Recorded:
7.56.14
